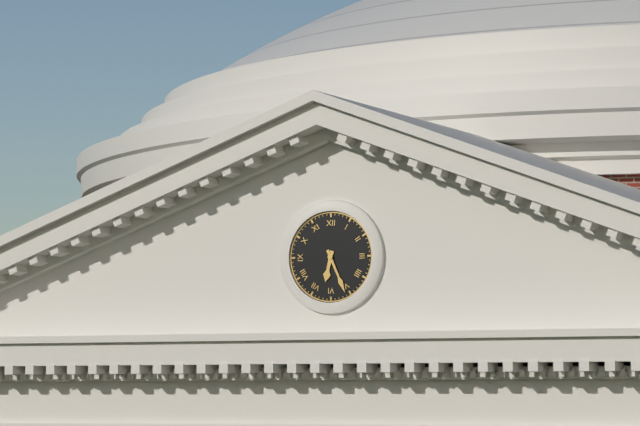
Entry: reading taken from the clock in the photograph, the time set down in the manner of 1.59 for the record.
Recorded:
6.26
